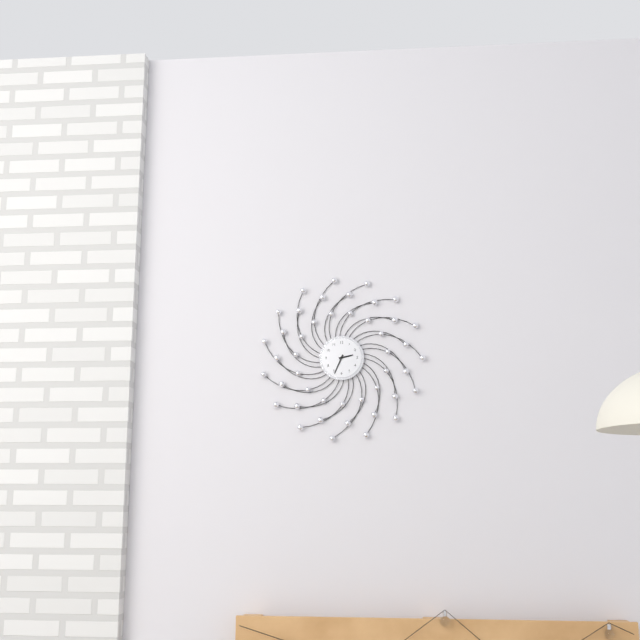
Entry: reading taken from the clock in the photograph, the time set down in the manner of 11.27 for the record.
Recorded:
2.34
